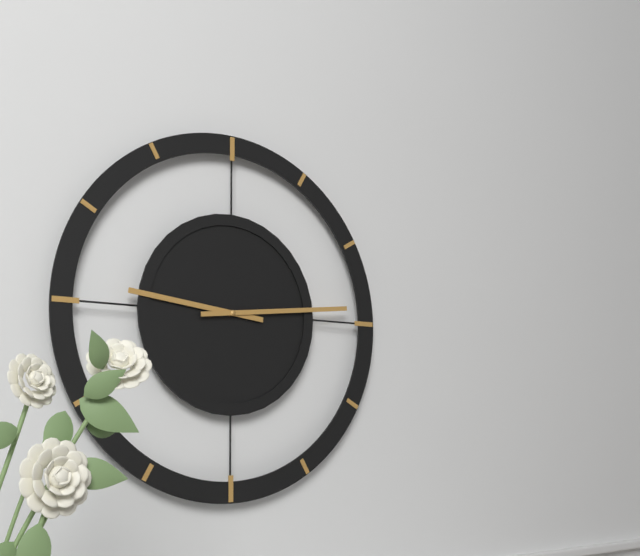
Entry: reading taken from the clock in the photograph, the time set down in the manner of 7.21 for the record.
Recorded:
9.14
